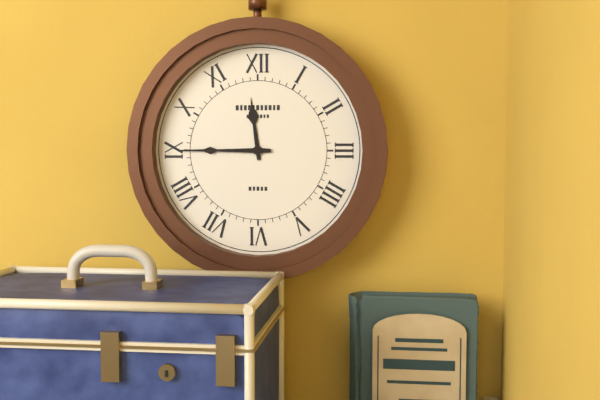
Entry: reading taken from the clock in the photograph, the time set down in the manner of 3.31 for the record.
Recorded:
11.45
